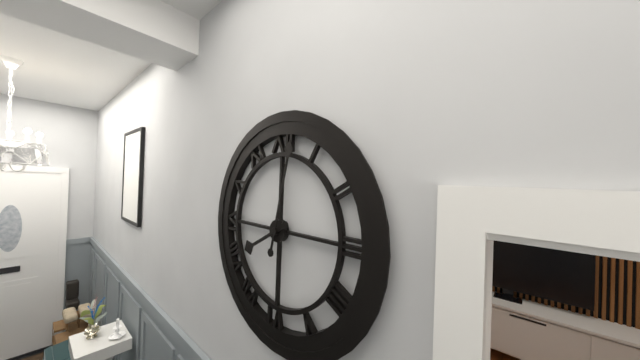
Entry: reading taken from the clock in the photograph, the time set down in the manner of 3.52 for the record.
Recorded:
8.02
